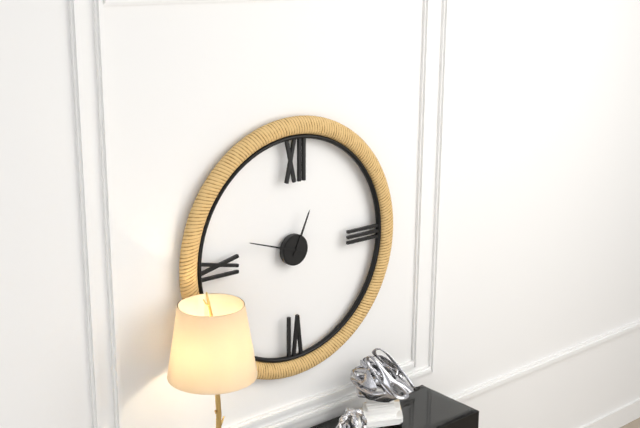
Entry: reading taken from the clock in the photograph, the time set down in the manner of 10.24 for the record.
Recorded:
12.48
